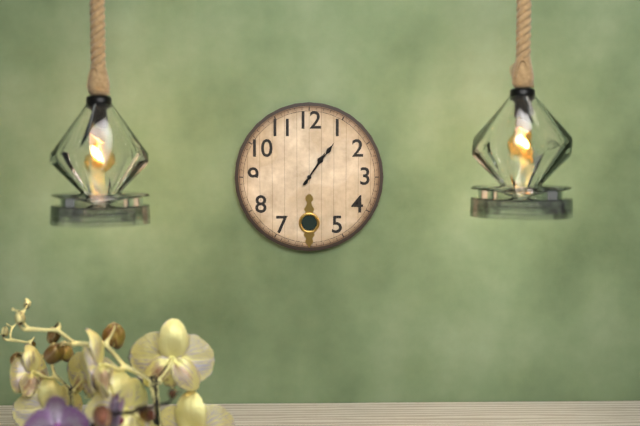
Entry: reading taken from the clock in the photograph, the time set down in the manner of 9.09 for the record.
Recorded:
1.06
